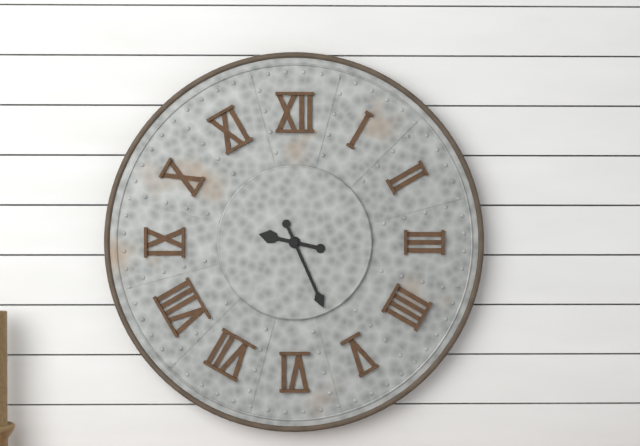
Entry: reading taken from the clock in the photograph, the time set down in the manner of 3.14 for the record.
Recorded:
9.26
